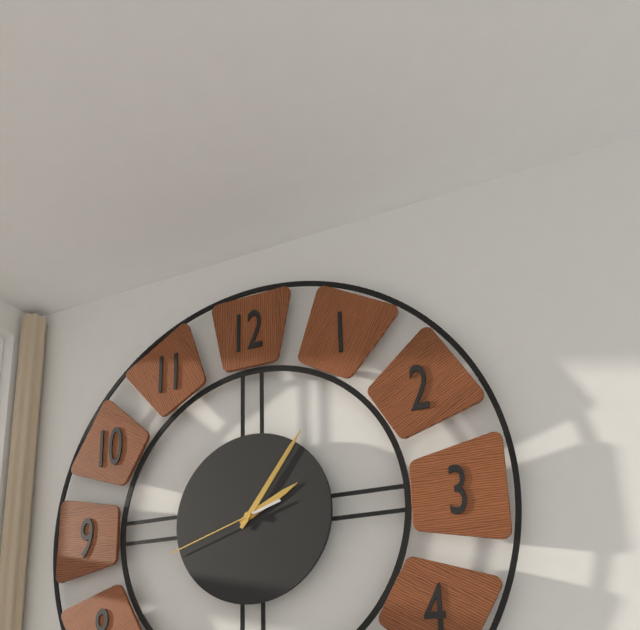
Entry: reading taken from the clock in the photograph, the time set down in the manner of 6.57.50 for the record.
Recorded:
2.06.42
